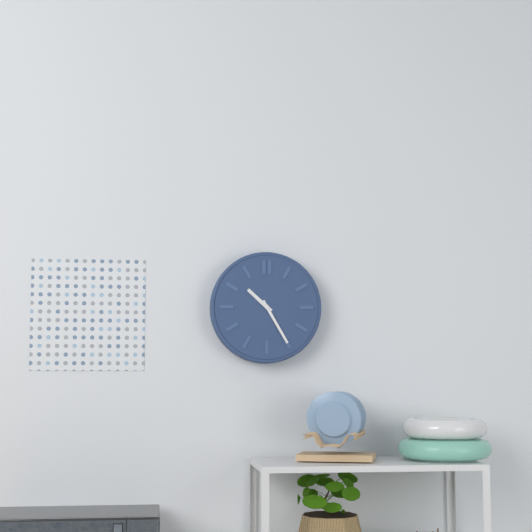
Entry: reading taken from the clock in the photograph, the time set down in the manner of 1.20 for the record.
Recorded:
10.25
